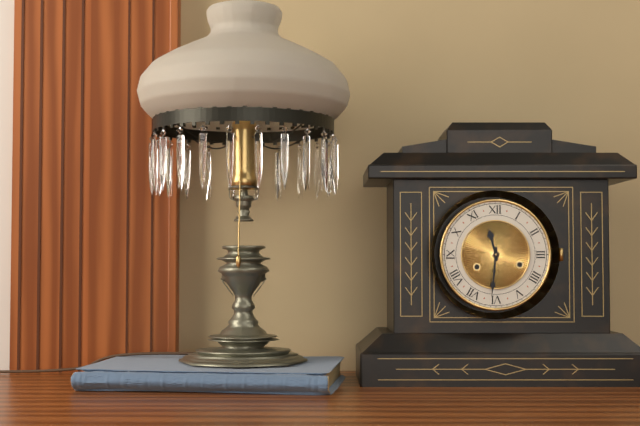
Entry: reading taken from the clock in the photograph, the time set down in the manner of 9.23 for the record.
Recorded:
11.31
